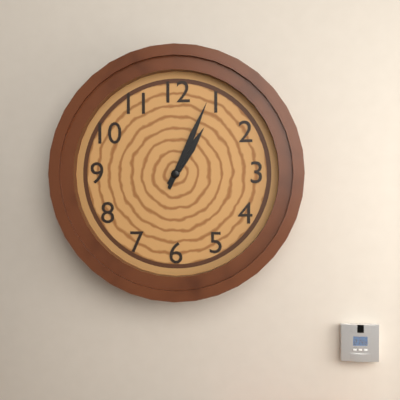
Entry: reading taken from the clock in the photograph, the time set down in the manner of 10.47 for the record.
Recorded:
1.04
